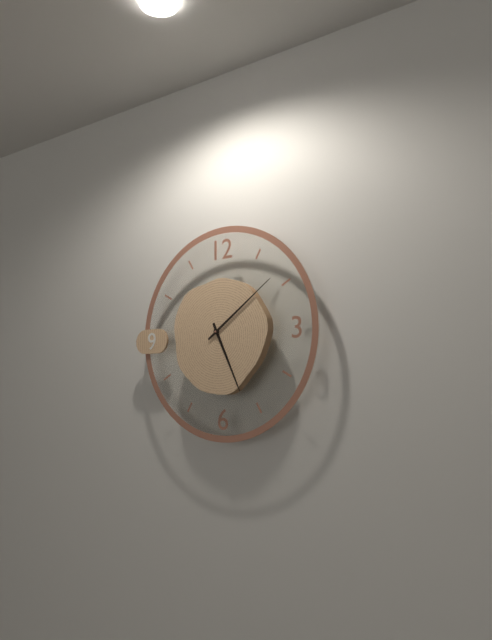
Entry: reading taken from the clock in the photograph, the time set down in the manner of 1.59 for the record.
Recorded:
5.09
